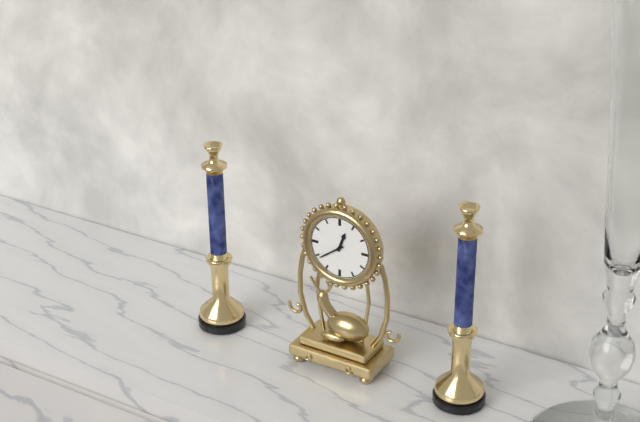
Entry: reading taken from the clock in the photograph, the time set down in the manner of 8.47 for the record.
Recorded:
12.39
